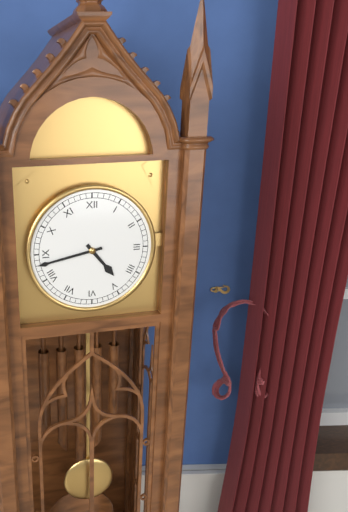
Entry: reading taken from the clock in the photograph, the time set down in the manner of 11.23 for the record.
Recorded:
4.43
